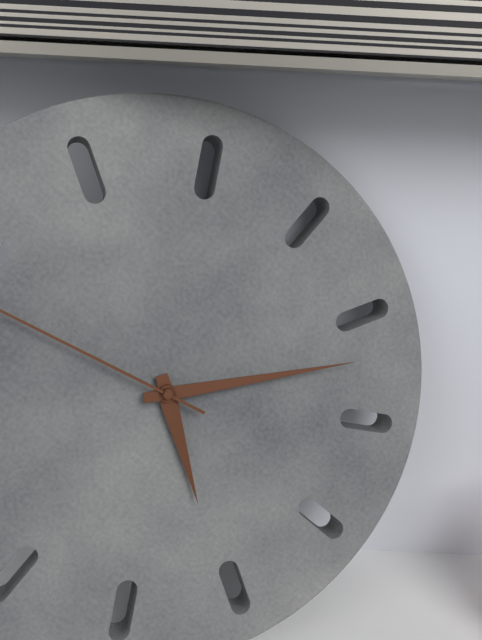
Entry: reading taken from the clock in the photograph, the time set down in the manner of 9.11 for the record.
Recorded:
4.07
